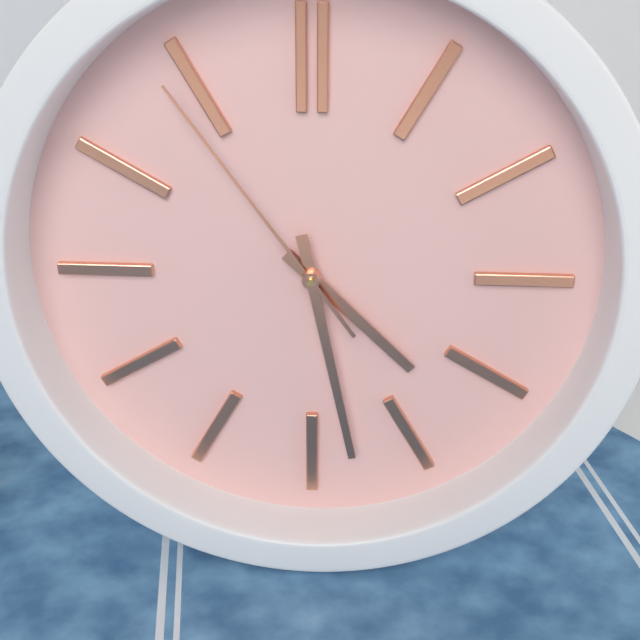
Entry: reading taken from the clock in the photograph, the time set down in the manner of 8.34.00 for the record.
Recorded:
4.28.54
